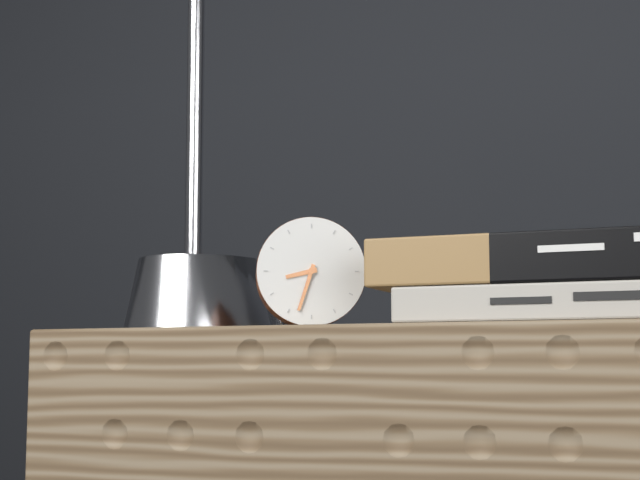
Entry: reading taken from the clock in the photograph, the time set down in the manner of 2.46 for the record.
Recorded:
8.33
